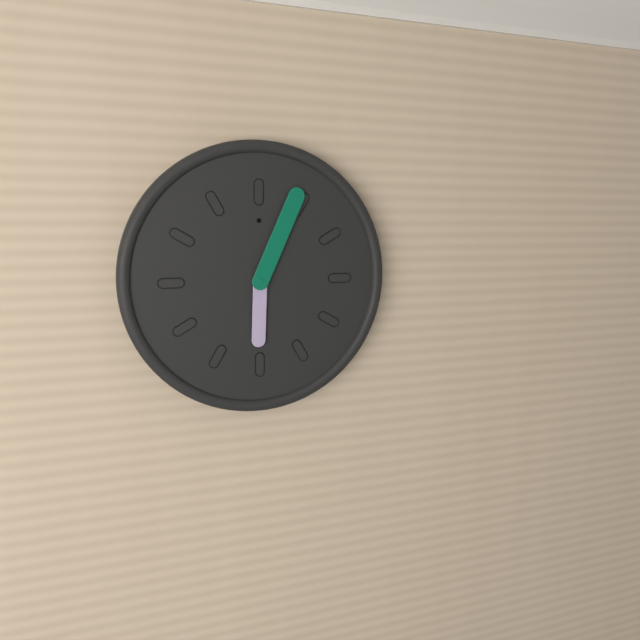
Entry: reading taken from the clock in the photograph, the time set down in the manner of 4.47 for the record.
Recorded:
6.04
